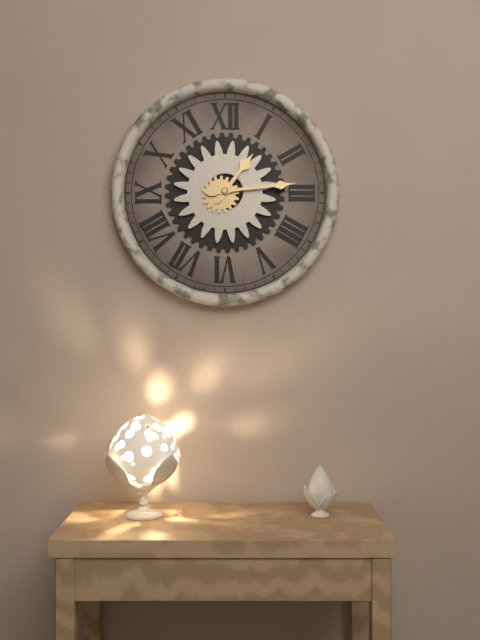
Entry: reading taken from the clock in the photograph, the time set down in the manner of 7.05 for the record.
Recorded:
1.14
